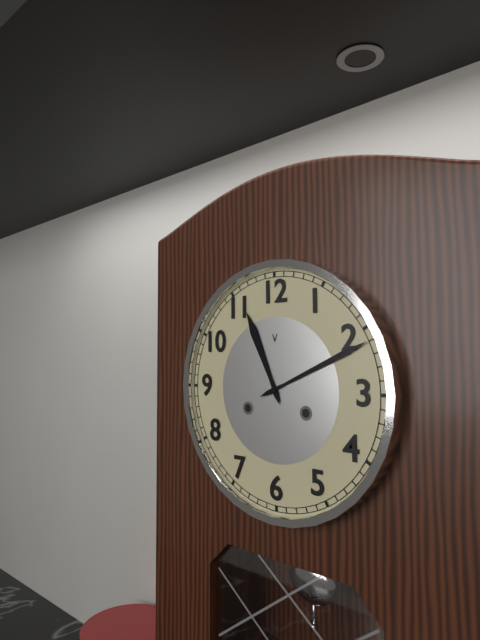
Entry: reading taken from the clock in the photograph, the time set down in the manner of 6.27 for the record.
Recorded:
11.11
